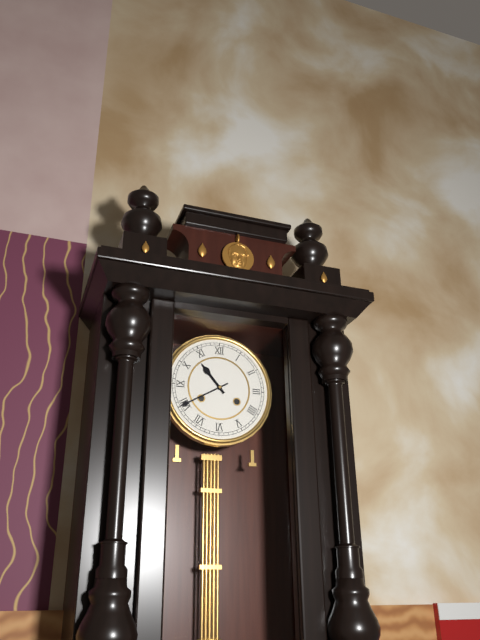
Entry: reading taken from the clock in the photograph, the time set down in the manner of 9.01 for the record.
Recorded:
10.40
